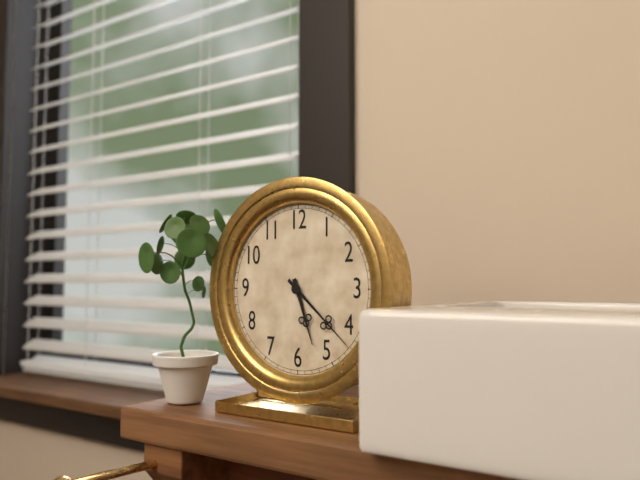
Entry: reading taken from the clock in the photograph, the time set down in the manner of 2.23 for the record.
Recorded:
5.22
